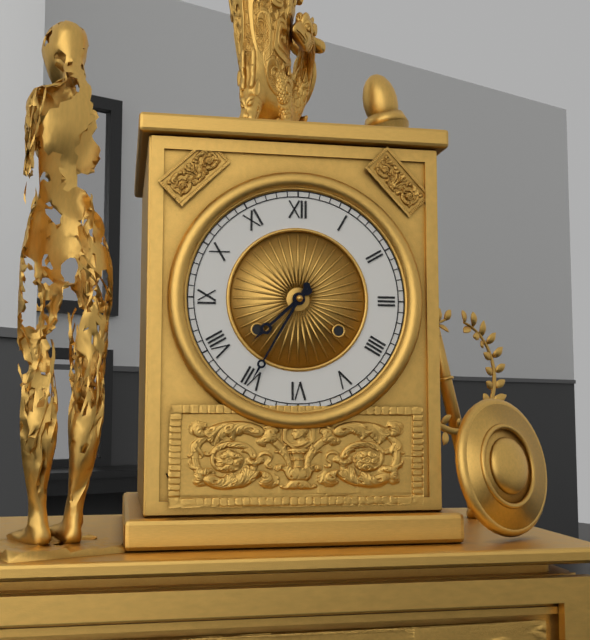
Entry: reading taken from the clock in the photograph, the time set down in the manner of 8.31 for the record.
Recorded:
7.35
